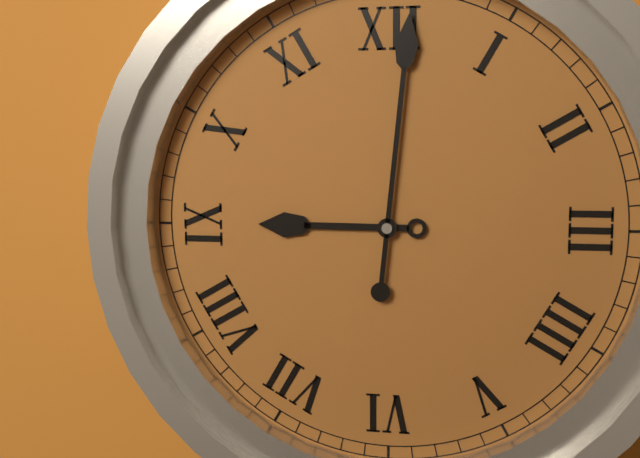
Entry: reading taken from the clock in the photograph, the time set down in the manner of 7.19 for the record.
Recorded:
9.01
